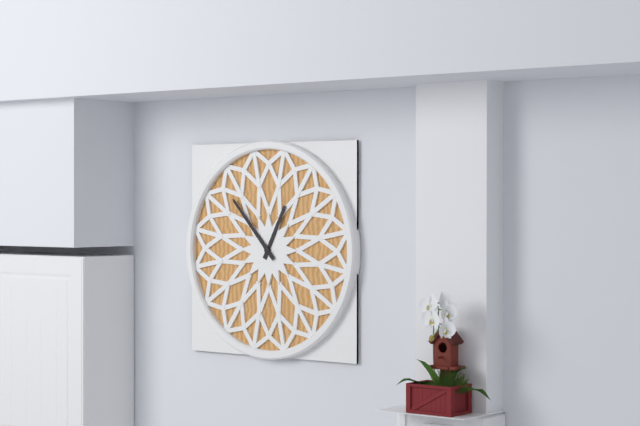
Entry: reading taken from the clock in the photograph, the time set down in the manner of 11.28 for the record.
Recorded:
12.53
